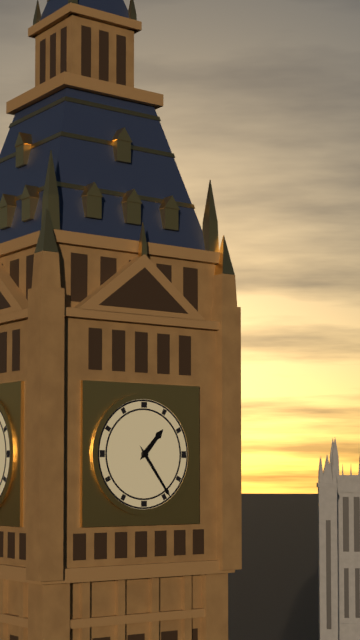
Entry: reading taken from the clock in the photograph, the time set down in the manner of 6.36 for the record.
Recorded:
1.24
